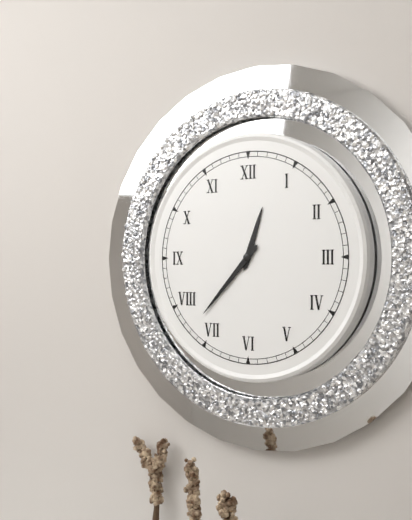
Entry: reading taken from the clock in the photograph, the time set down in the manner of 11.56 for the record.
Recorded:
12.37
